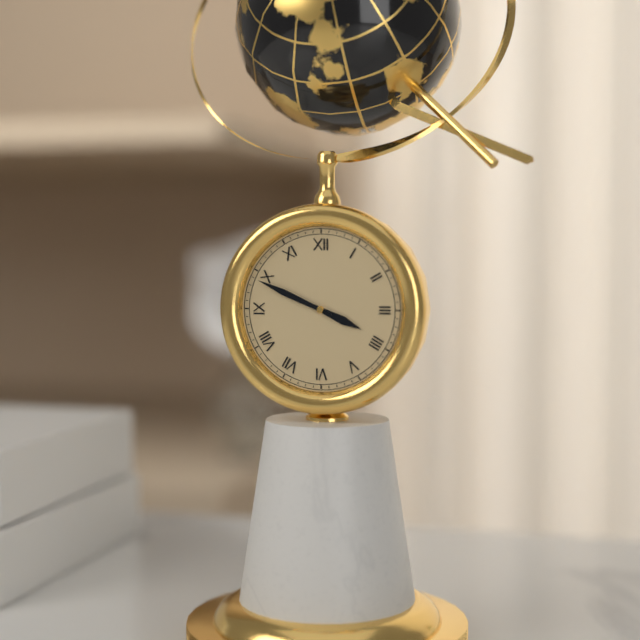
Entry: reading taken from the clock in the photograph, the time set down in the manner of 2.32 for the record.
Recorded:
3.49
